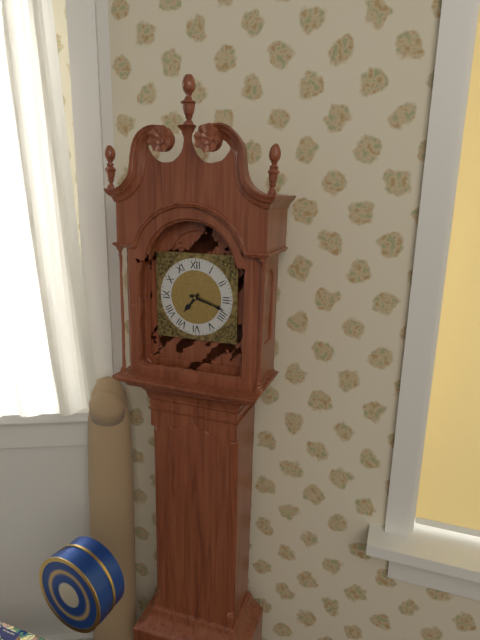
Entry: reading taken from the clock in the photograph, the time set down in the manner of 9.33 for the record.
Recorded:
7.18
